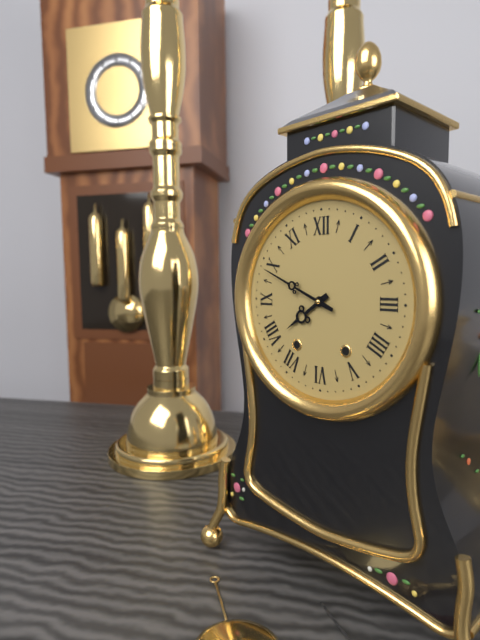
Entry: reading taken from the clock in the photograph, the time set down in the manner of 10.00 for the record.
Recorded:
7.49
